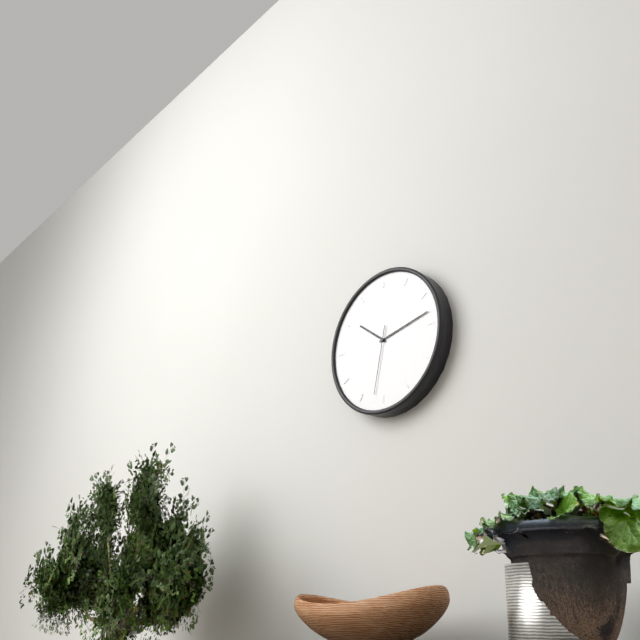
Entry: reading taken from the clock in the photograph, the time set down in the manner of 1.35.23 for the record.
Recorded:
10.13.32
